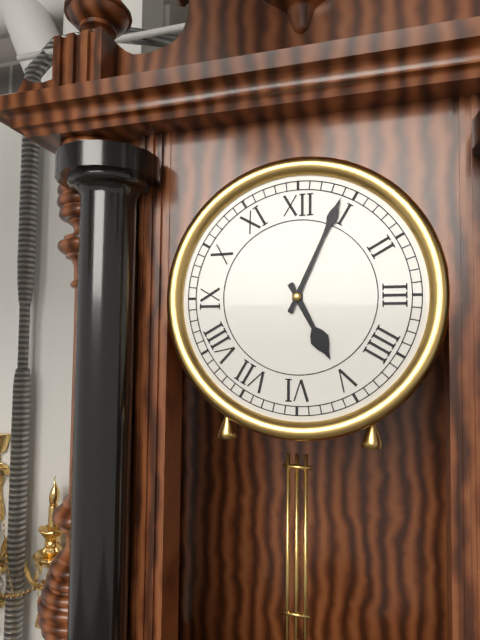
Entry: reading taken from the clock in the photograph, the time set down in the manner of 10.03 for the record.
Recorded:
5.04
